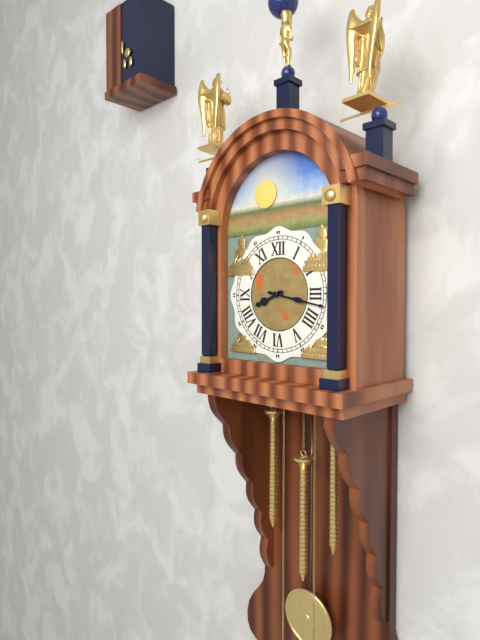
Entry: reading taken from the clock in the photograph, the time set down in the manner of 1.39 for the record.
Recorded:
8.17
